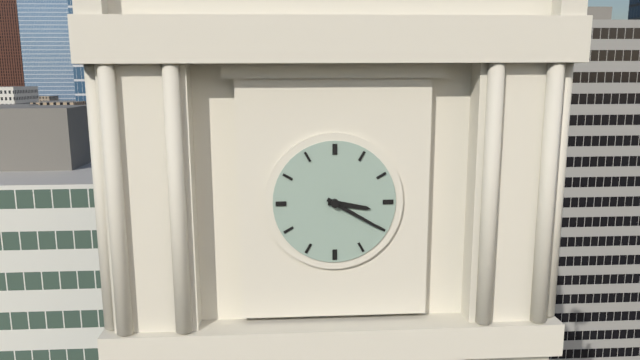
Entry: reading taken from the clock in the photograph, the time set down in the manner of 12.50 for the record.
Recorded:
3.20
